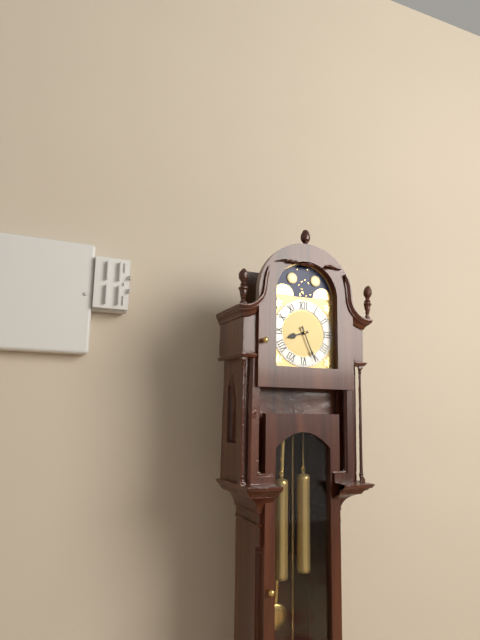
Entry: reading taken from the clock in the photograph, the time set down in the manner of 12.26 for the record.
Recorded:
8.26
